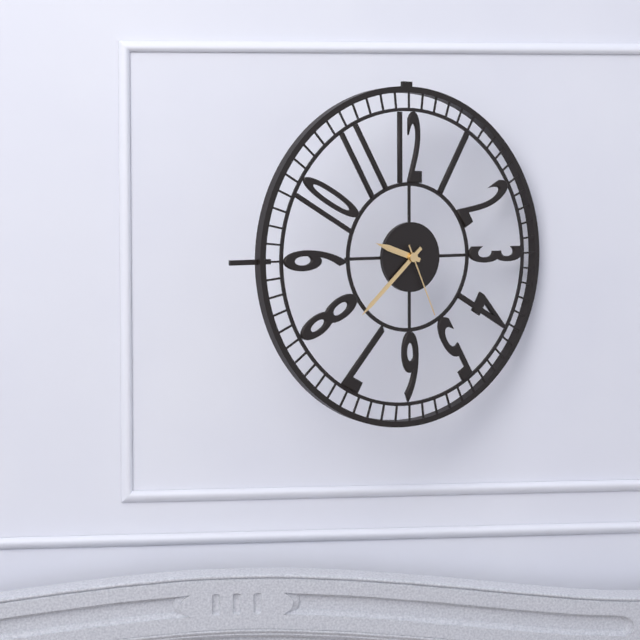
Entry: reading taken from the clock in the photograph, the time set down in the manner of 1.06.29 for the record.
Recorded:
9.38.26
